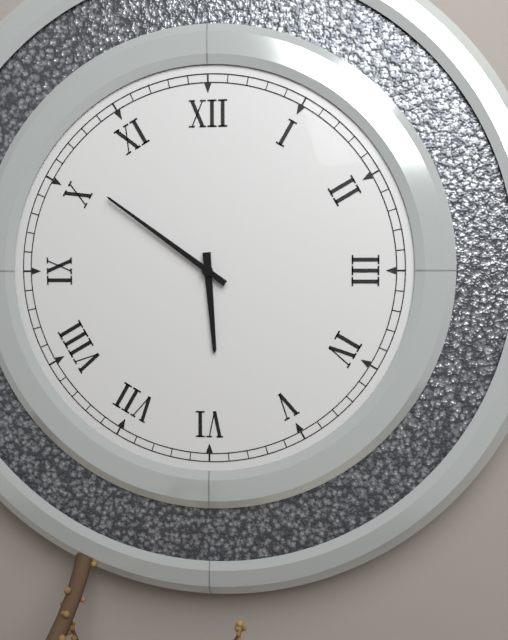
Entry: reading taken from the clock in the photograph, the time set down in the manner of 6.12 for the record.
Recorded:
5.51
